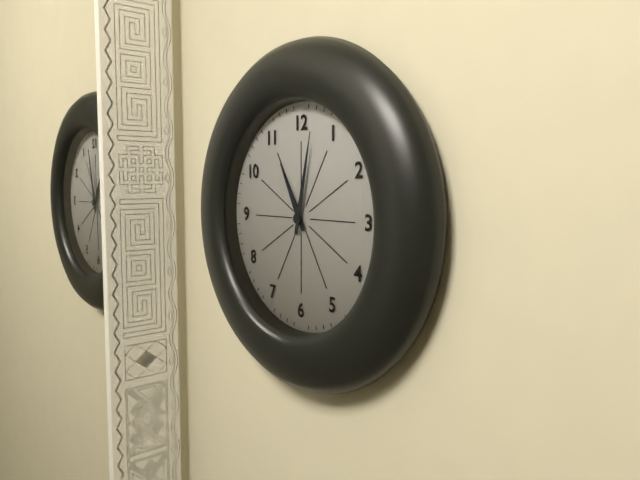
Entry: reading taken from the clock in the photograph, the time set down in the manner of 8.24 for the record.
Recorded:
11.02
